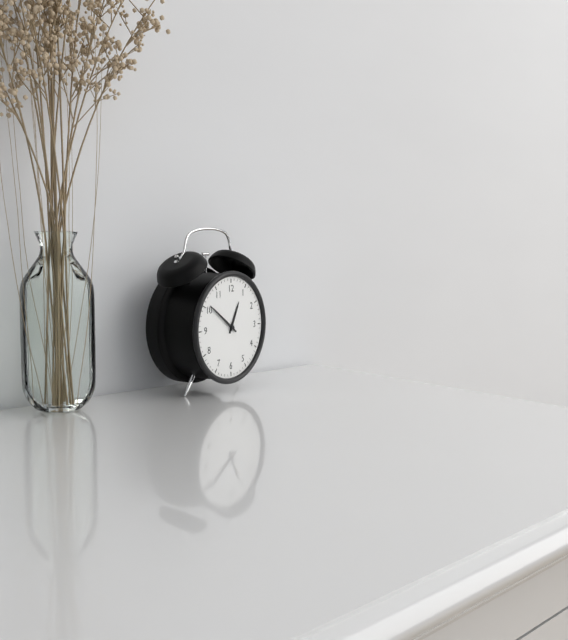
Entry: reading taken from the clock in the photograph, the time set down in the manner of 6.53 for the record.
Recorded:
12.51
